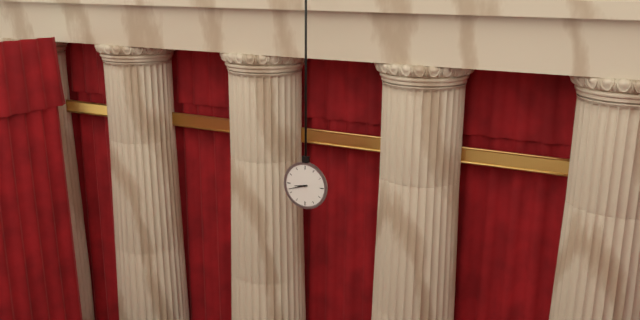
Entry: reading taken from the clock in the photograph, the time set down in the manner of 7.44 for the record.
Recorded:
8.42
